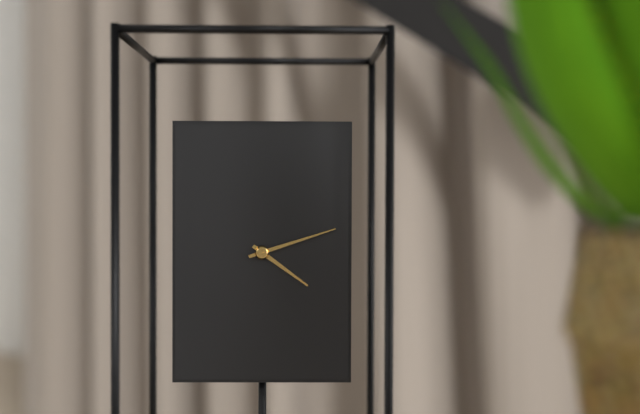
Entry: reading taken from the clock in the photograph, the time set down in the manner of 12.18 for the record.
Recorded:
4.12
